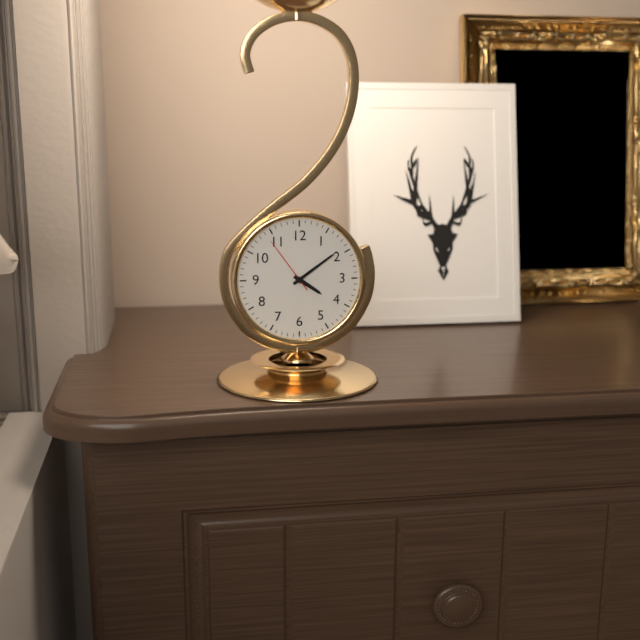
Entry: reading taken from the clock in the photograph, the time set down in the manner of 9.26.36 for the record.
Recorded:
4.09.54
